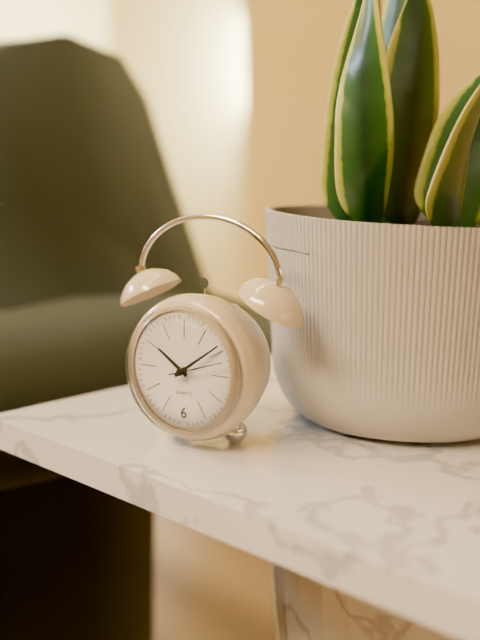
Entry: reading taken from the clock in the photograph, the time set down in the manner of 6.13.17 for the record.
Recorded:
10.09.12
